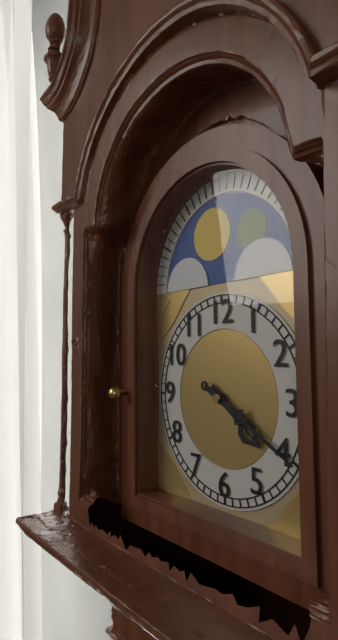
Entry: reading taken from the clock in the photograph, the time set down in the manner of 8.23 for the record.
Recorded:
4.20
